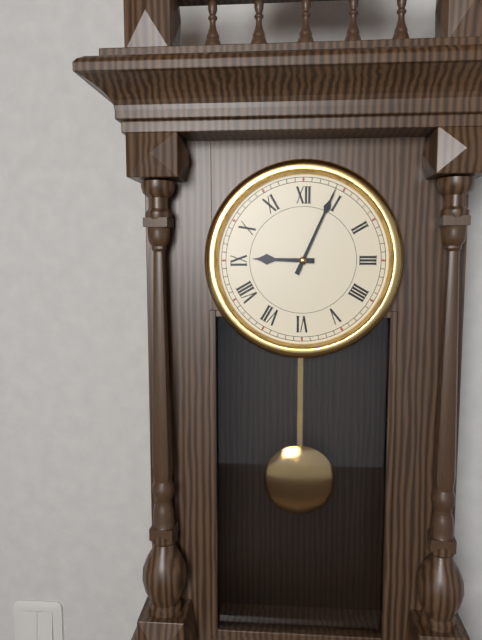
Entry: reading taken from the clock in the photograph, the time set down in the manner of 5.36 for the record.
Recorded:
9.04
